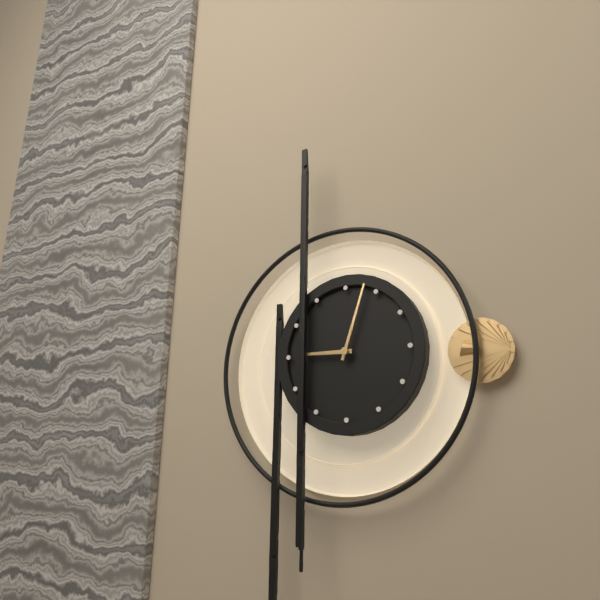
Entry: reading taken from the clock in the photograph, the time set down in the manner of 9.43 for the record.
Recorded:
9.03
